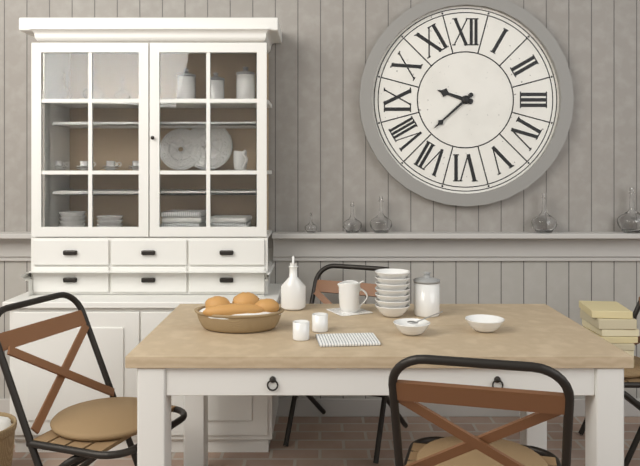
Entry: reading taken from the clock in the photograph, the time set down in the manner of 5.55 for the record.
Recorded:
9.38
